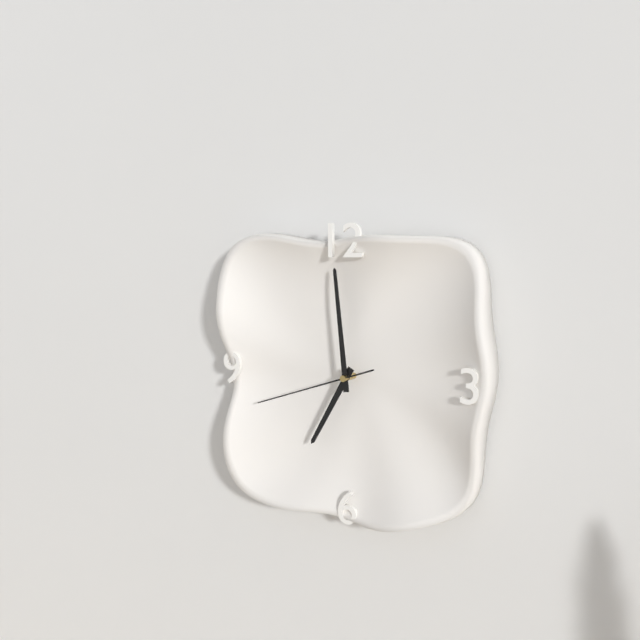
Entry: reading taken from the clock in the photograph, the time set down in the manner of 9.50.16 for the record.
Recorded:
6.59.42
